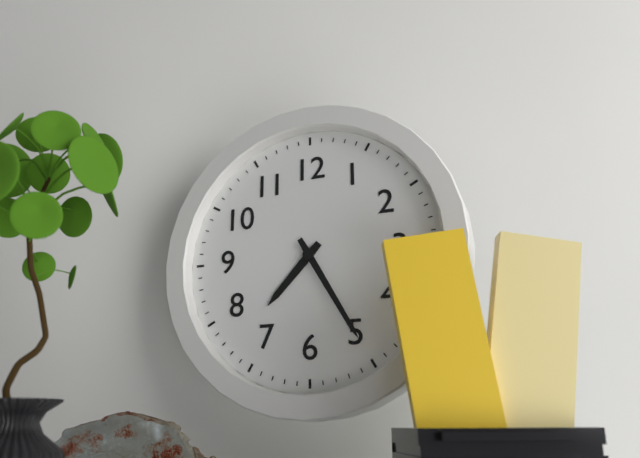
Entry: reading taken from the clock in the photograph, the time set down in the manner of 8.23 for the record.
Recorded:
7.25
